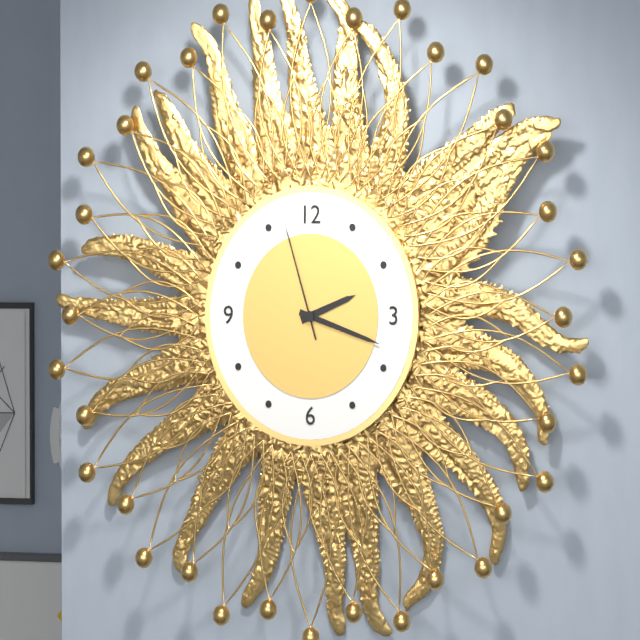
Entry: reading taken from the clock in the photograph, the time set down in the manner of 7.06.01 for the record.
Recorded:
2.18.57
